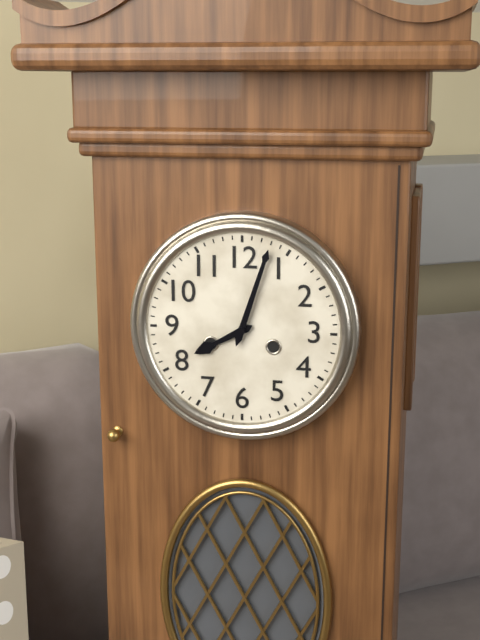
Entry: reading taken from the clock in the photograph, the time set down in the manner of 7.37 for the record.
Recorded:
8.03
